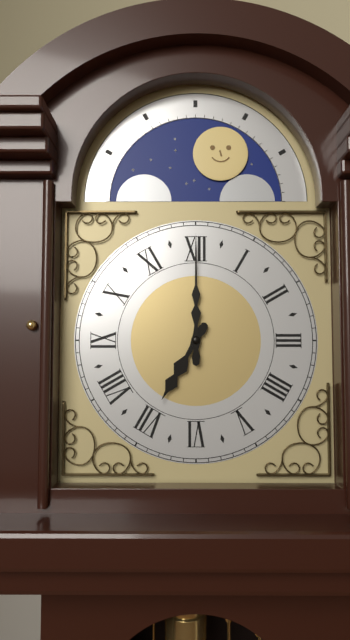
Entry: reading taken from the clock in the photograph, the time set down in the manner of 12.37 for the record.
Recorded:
7.00
